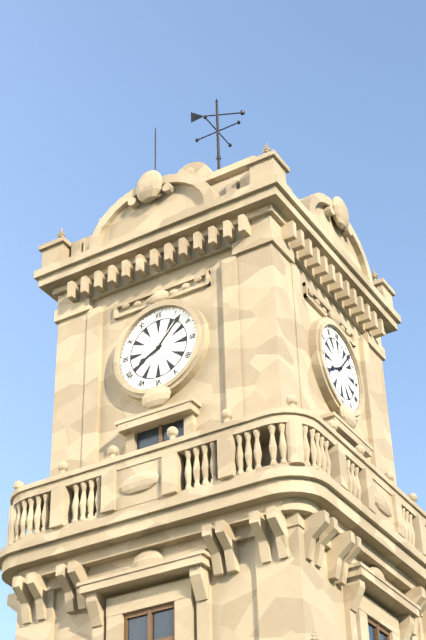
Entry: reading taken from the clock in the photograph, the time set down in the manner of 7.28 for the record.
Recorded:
8.07
